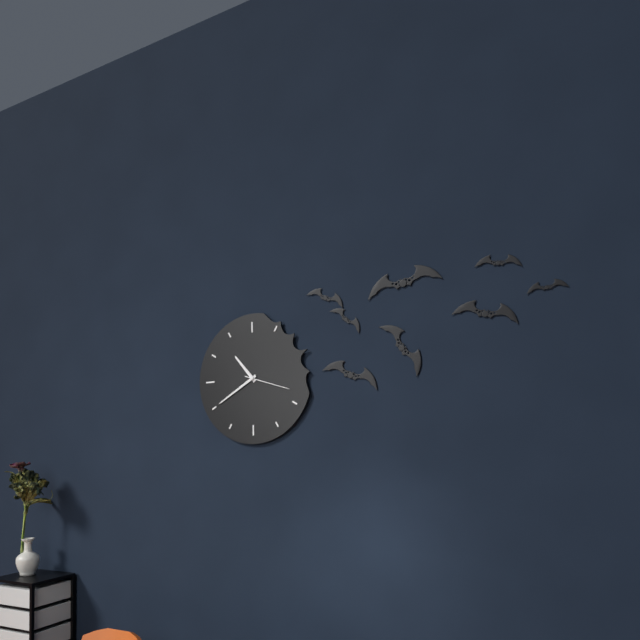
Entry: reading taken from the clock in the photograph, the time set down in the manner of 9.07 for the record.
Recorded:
10.40
